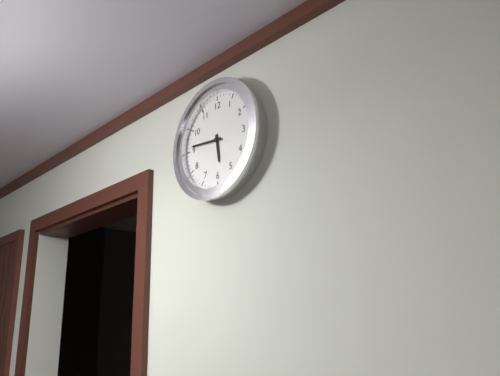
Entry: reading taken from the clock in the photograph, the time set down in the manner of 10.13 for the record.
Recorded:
5.46
